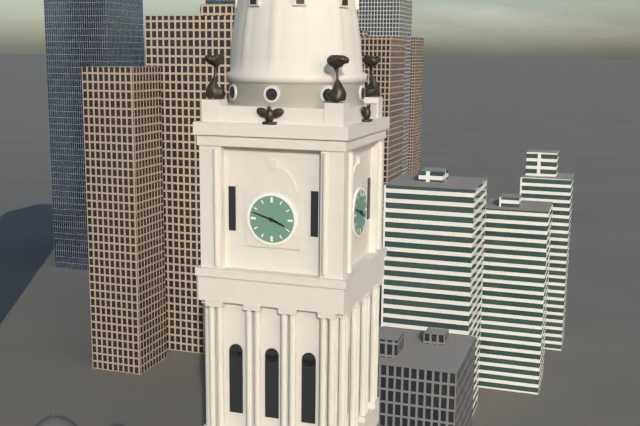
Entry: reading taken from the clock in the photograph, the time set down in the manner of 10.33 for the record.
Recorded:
3.48
